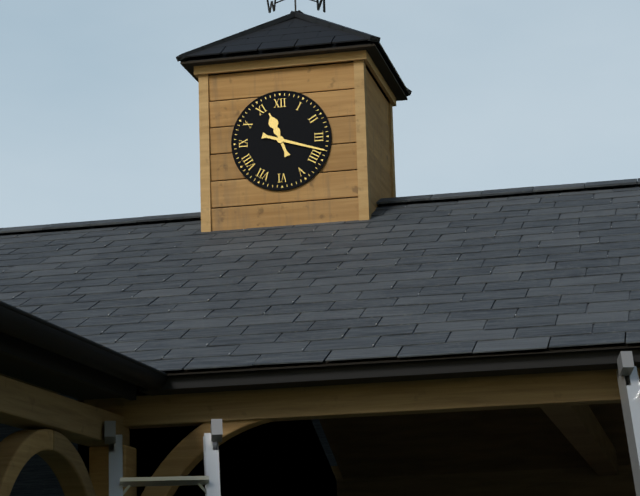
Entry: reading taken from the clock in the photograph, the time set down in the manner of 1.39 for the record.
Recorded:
11.18
